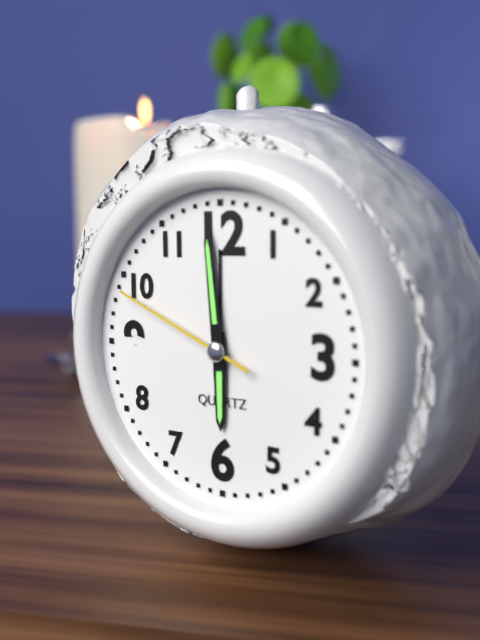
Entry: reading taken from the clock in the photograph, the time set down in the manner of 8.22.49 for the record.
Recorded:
5.59.49
